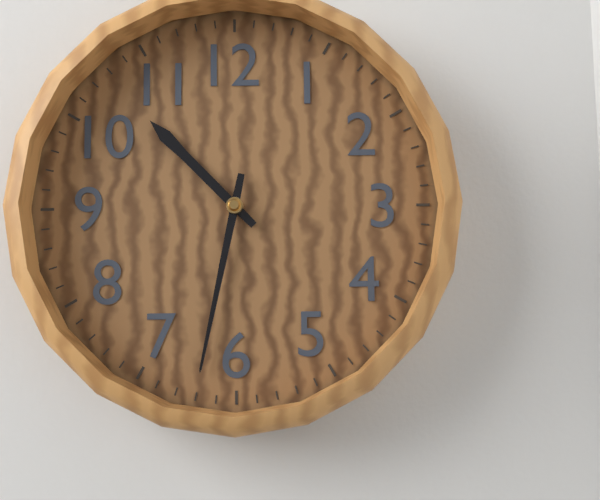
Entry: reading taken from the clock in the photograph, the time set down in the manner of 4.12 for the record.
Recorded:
10.32
